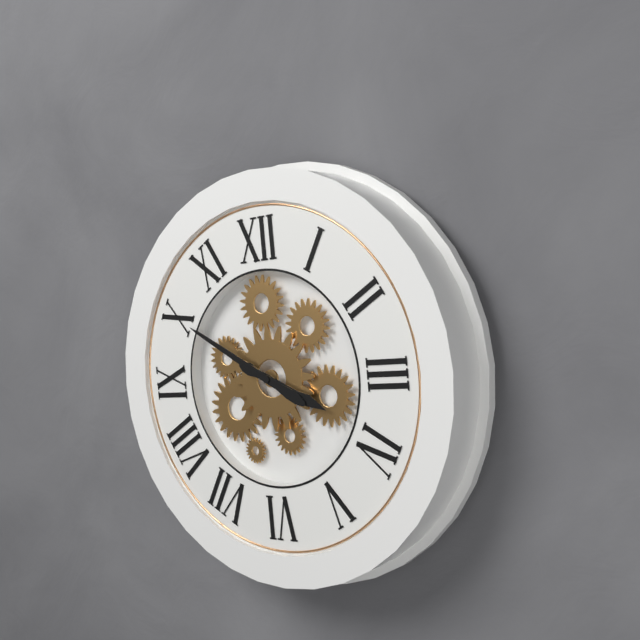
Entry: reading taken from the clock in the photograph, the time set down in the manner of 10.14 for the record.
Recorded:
3.50
